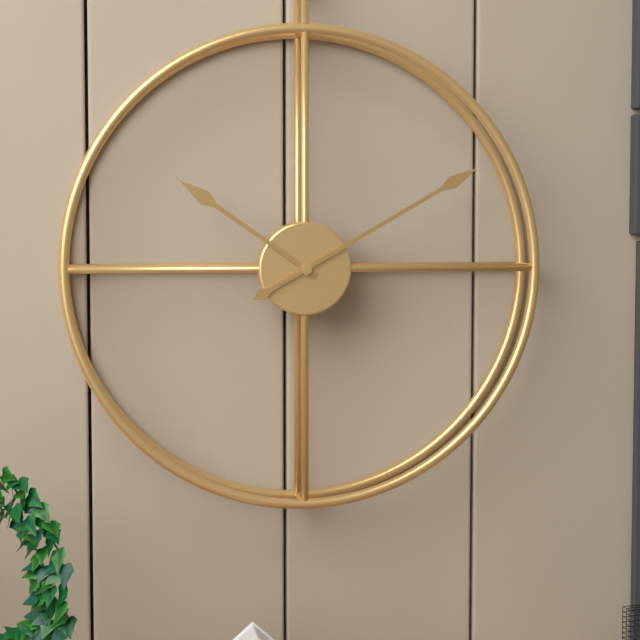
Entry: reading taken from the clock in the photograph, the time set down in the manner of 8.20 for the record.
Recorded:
10.10
